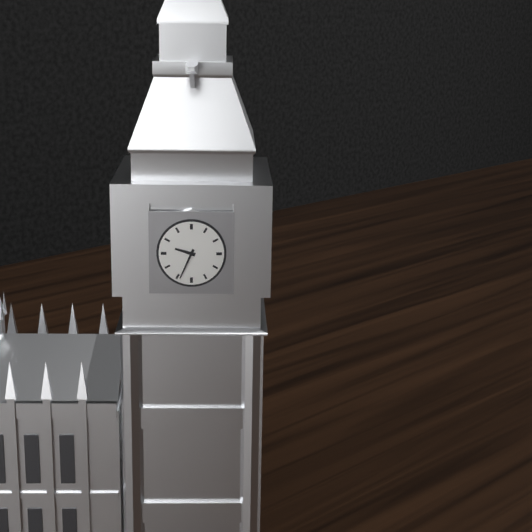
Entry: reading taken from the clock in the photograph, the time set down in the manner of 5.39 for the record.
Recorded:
9.34
